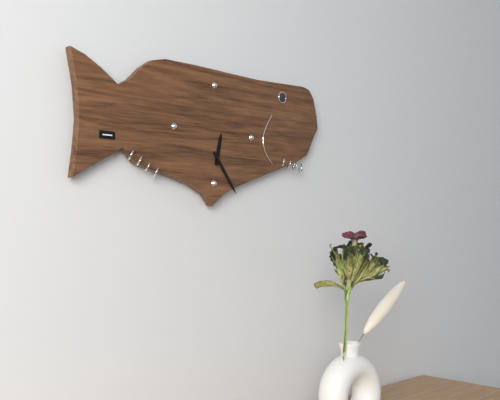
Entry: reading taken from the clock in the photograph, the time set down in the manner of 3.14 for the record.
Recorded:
12.24
